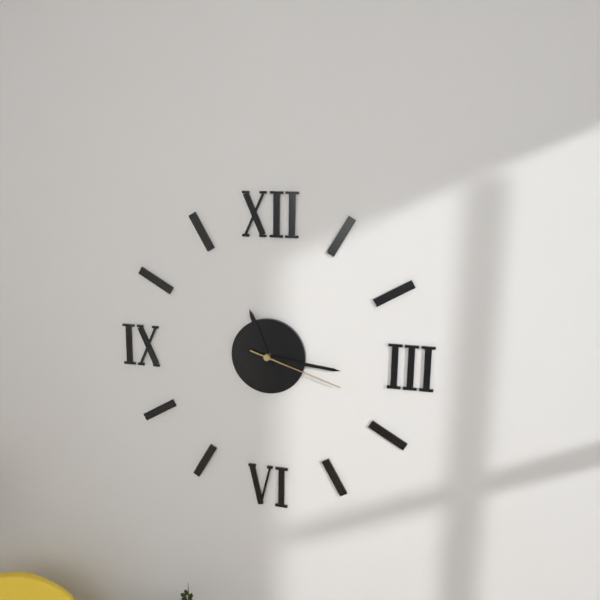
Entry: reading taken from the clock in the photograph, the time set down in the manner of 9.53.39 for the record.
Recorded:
11.16.18
